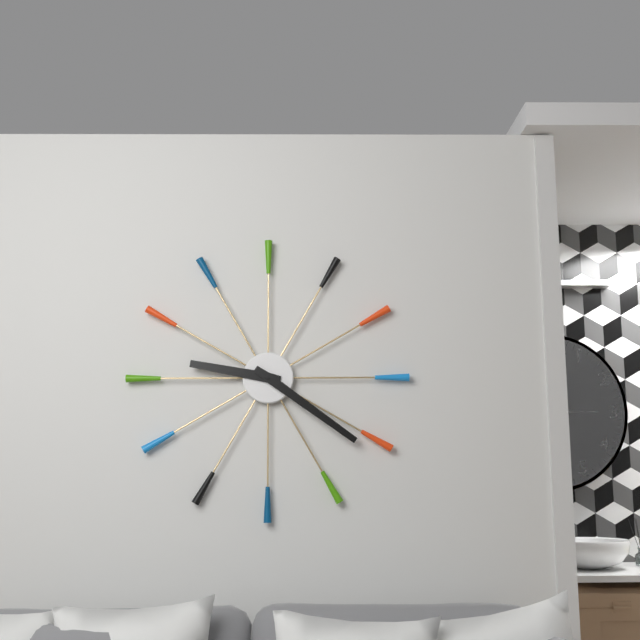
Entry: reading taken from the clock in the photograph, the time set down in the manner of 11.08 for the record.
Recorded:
9.21
